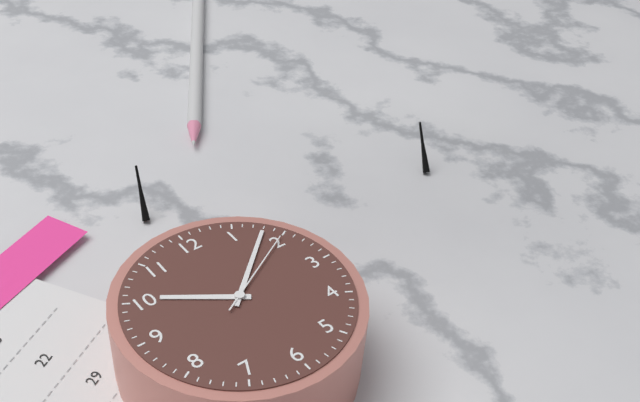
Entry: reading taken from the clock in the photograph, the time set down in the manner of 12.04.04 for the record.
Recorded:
10.08.10
